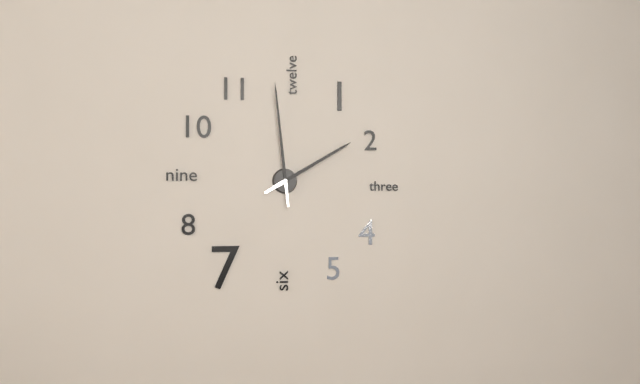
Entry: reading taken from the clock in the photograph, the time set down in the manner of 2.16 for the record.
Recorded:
1.59
